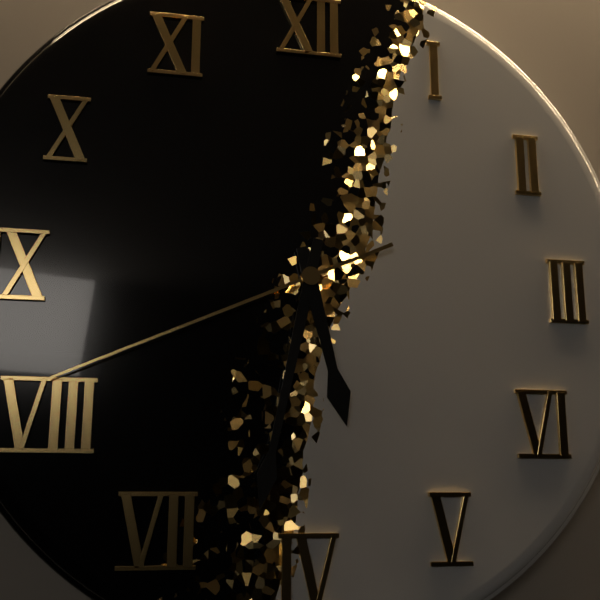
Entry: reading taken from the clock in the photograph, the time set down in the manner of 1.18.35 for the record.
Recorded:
5.32.41
